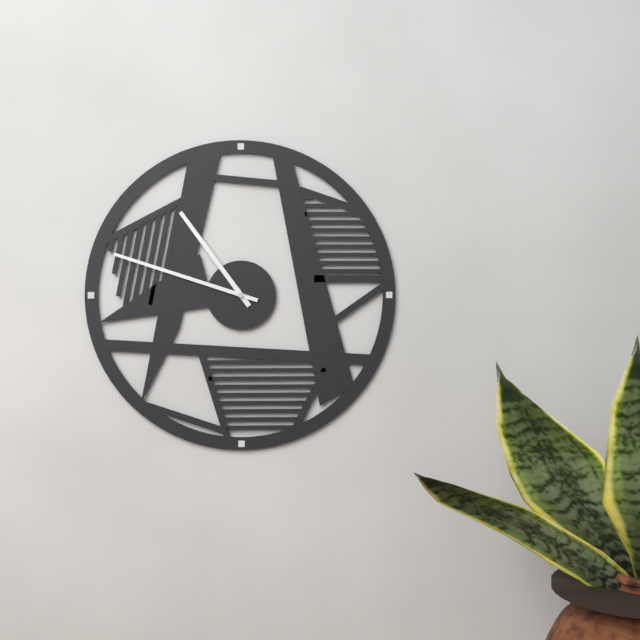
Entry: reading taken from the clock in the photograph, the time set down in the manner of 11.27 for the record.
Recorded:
10.48
